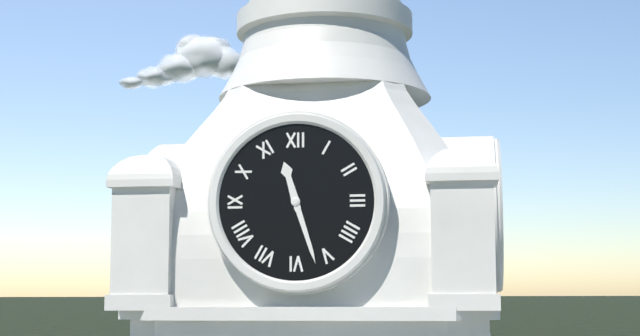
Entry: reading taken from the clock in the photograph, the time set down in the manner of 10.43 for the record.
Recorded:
11.27
